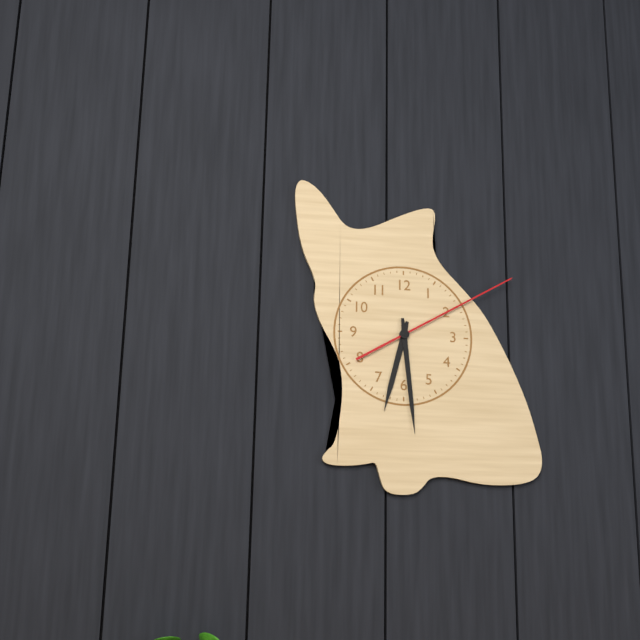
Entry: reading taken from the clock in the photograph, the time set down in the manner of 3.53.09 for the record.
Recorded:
6.29.10
